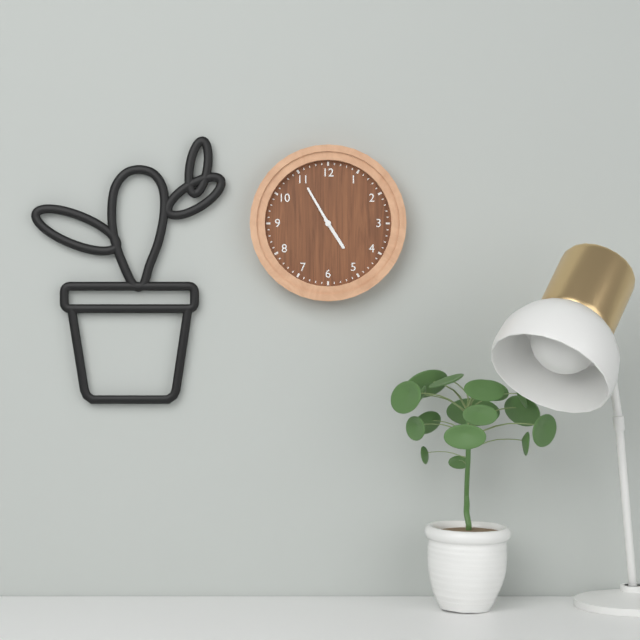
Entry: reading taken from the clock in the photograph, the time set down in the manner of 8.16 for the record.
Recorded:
4.55
